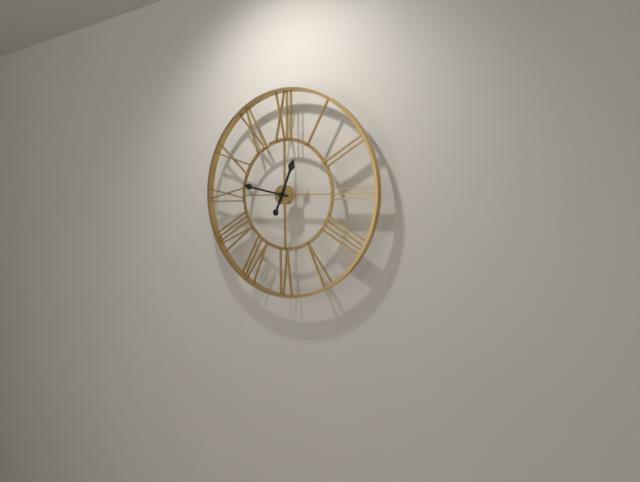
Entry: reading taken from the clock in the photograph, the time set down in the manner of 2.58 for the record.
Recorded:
12.47
